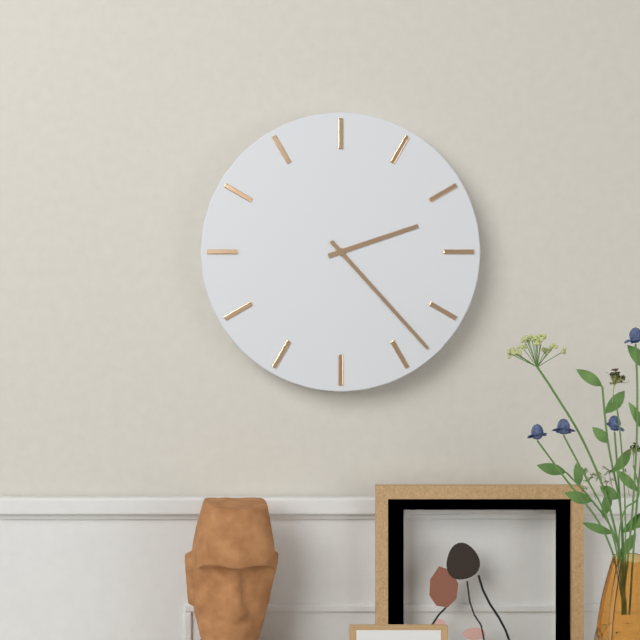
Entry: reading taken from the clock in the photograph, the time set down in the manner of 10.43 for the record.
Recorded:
2.23
